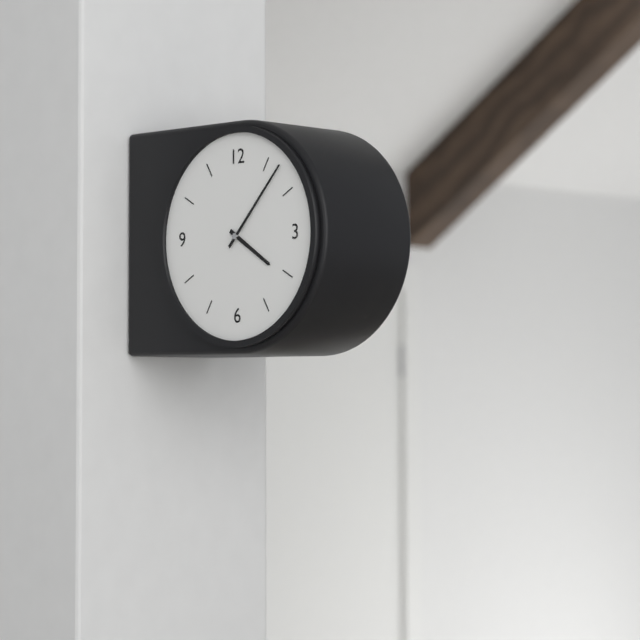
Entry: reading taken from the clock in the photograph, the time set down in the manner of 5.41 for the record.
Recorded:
4.07
